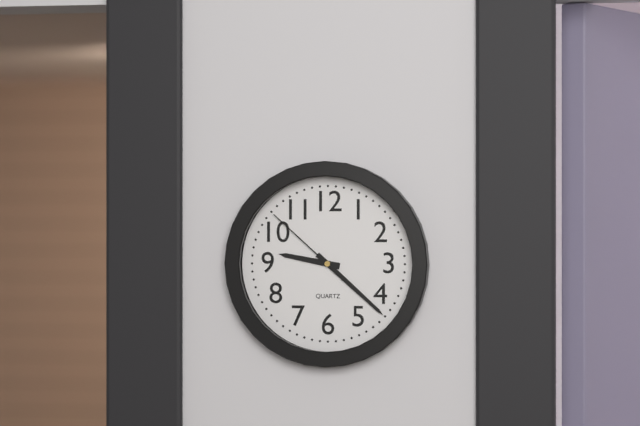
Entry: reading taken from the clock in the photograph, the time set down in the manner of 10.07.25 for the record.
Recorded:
9.22.52
